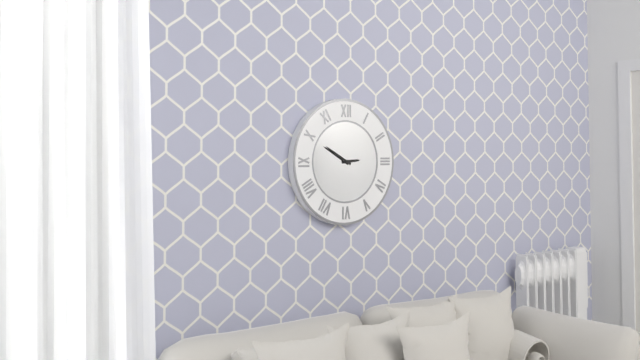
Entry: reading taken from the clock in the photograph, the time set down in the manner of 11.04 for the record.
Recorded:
2.50
